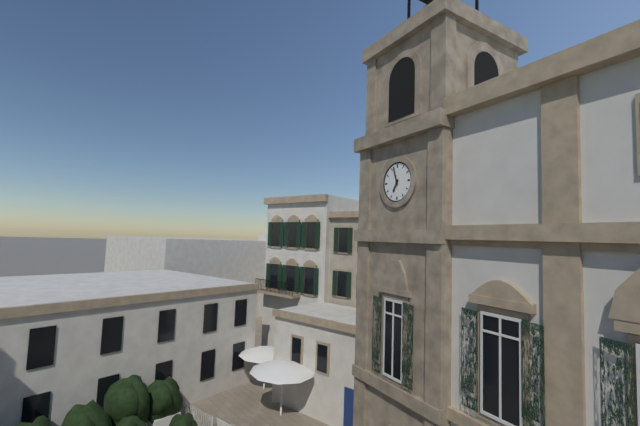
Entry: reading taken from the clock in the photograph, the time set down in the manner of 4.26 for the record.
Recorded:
6.57
